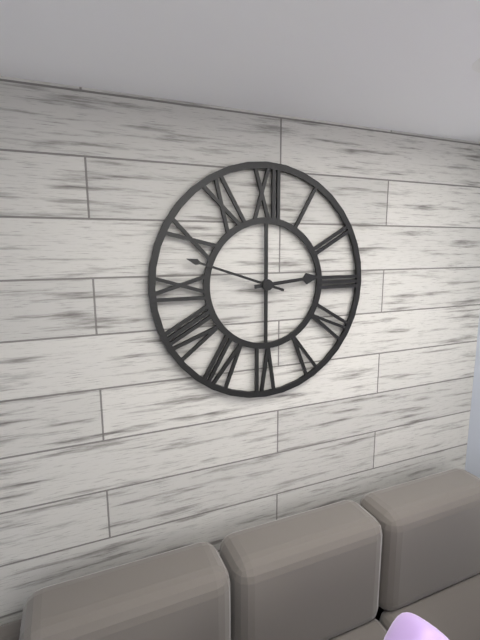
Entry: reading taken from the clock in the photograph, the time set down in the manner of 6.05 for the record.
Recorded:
2.48
